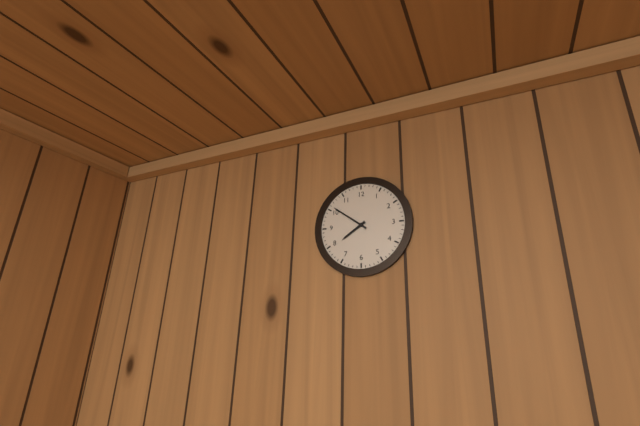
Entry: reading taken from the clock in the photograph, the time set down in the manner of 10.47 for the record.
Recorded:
7.51
